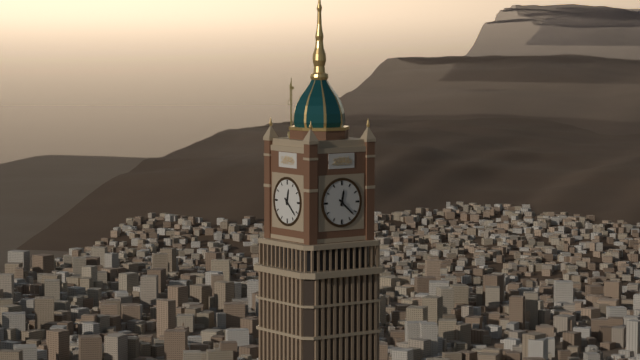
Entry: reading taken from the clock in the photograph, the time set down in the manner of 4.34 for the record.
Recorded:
12.22
